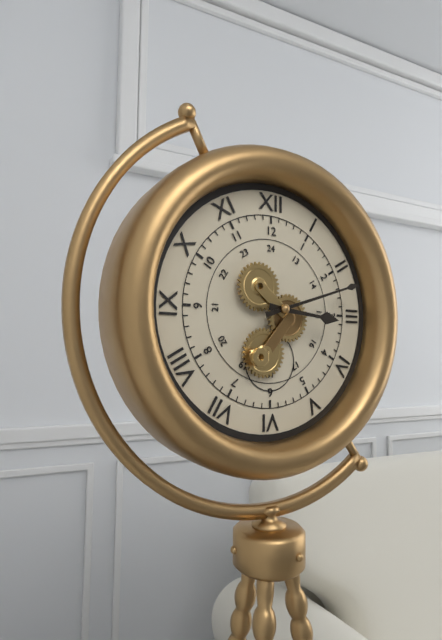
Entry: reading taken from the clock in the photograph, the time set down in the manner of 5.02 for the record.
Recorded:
3.12
